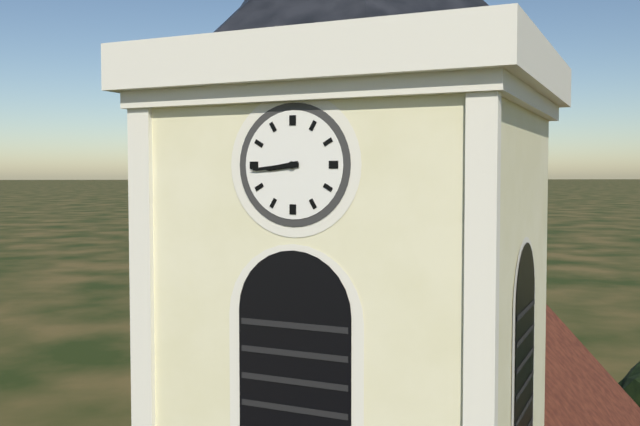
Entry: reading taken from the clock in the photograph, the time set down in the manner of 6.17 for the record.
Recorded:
8.44
